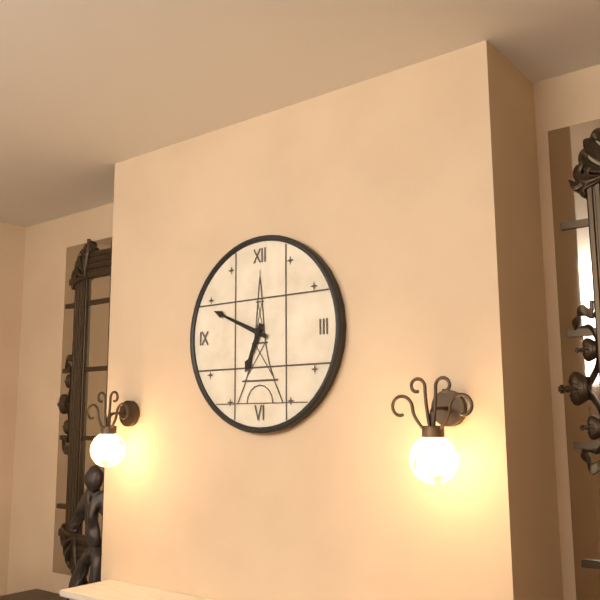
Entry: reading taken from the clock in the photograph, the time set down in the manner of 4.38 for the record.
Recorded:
6.49
